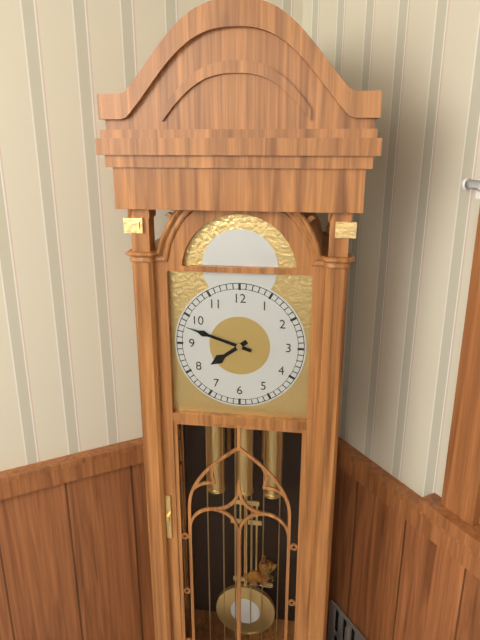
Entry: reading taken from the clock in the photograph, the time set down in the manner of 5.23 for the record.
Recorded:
7.48
